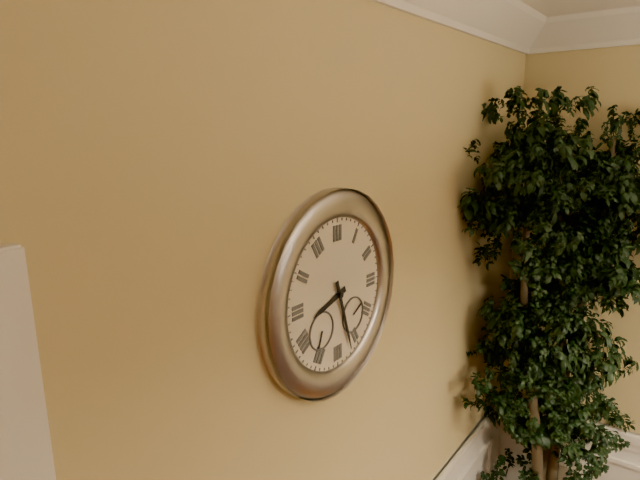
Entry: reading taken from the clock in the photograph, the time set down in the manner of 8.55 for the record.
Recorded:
8.27
